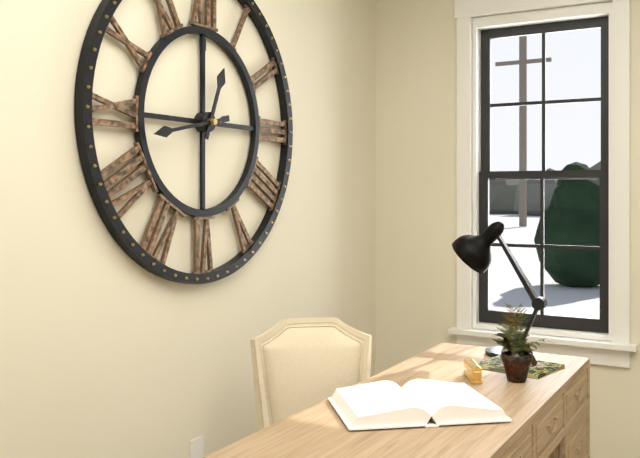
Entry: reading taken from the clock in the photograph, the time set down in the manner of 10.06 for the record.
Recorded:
12.43
